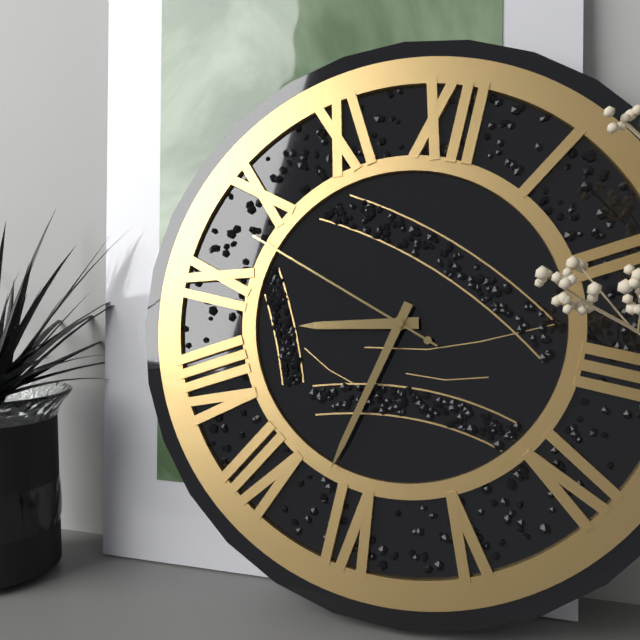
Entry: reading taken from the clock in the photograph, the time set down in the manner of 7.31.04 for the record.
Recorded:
8.32.48
